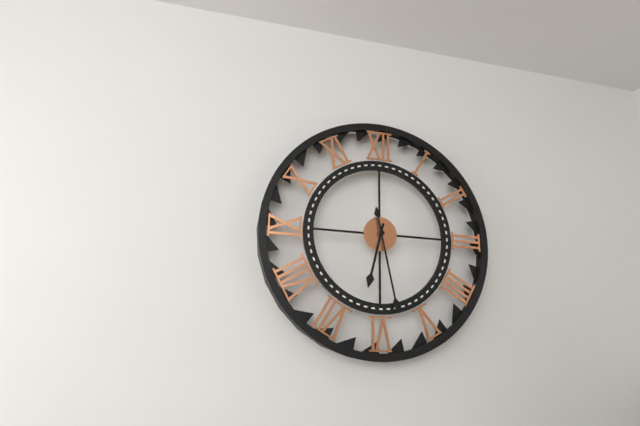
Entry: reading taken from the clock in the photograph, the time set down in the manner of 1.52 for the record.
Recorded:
6.28
